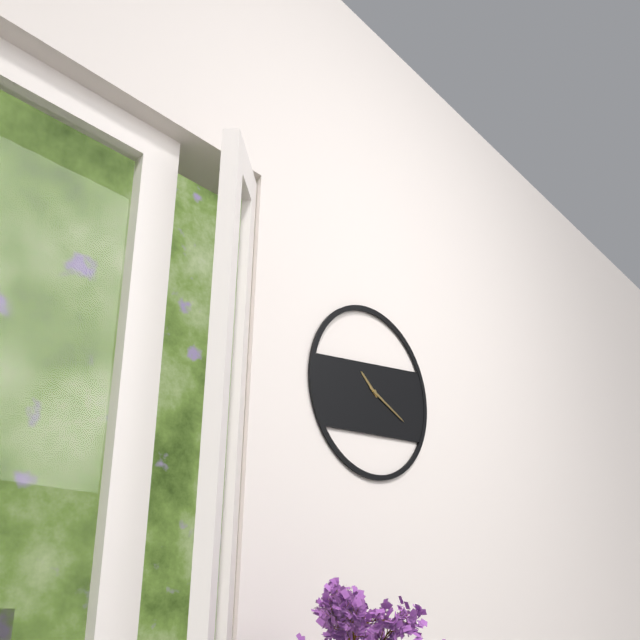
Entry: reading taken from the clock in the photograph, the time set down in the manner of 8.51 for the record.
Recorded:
10.19
